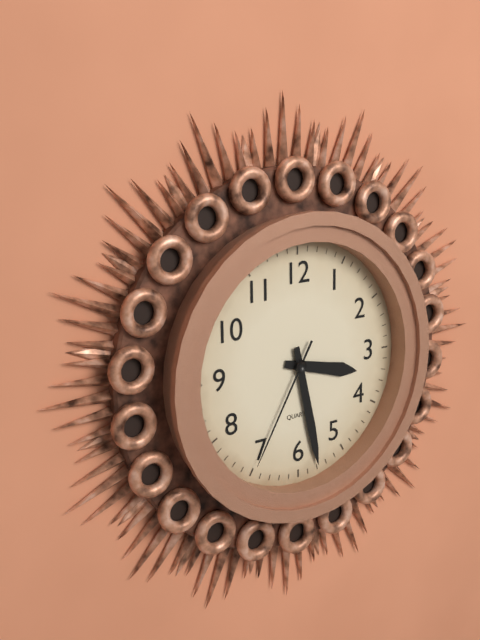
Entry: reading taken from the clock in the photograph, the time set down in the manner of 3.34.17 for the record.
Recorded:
3.28.35
